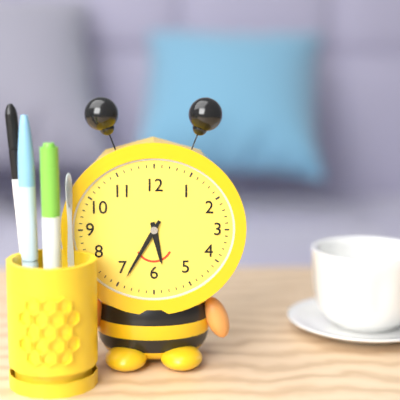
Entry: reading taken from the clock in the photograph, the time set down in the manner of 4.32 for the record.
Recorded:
5.35
